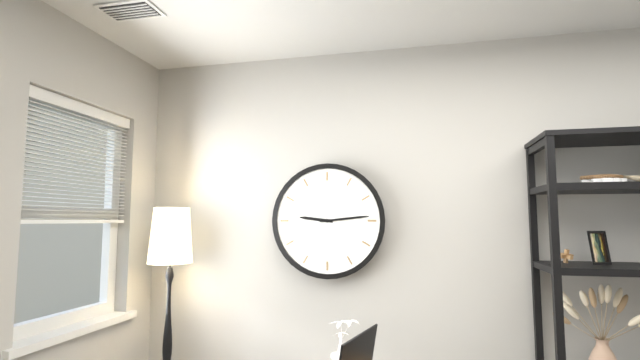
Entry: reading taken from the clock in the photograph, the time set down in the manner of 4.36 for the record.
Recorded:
9.14
